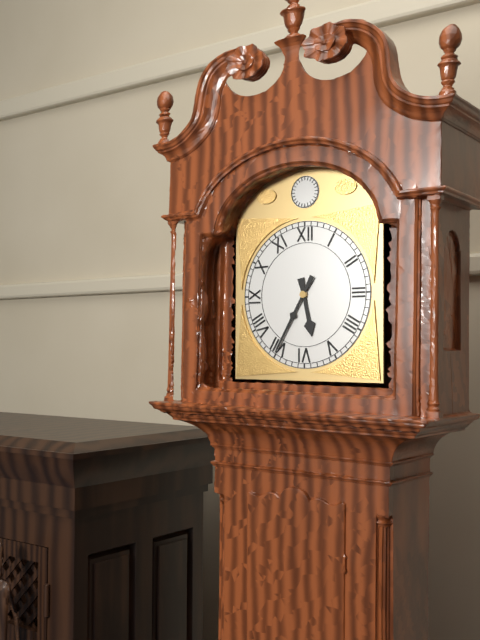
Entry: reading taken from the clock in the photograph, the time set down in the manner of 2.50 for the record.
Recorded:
5.35
